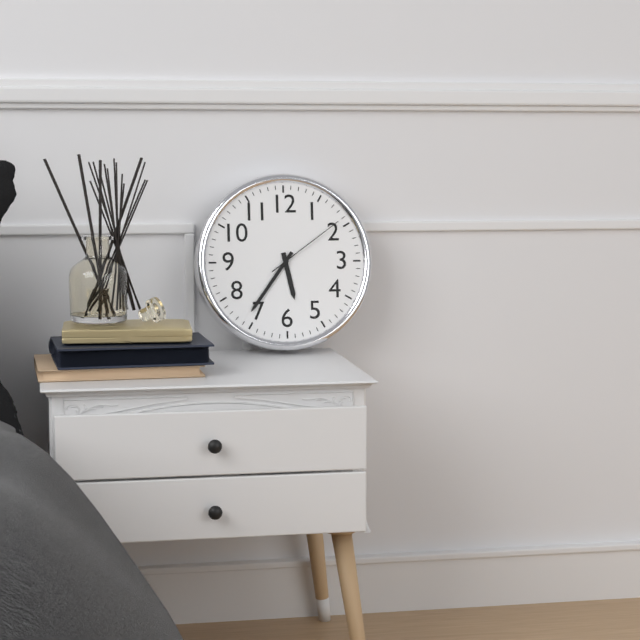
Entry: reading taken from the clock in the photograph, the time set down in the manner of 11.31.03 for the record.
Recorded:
5.36.09
